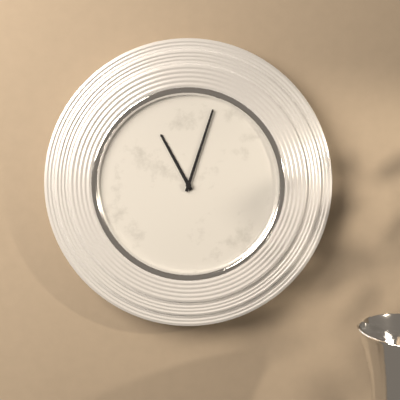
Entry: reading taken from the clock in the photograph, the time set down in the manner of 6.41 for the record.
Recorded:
11.03
